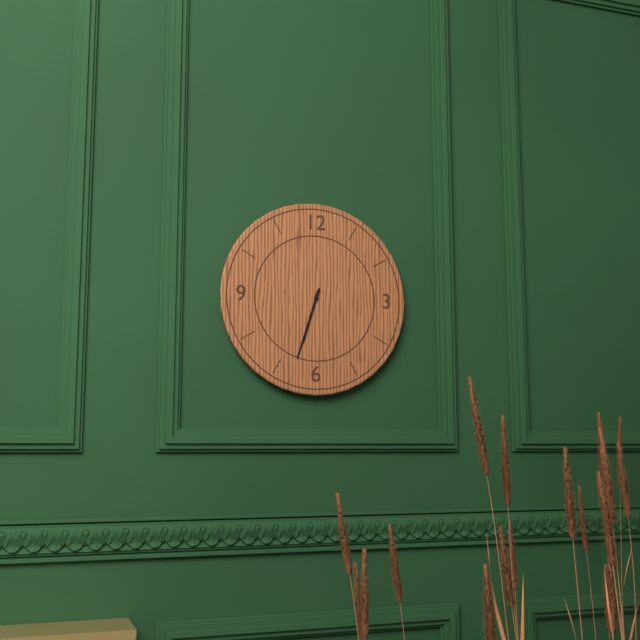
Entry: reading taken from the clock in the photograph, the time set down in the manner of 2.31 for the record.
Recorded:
6.33
